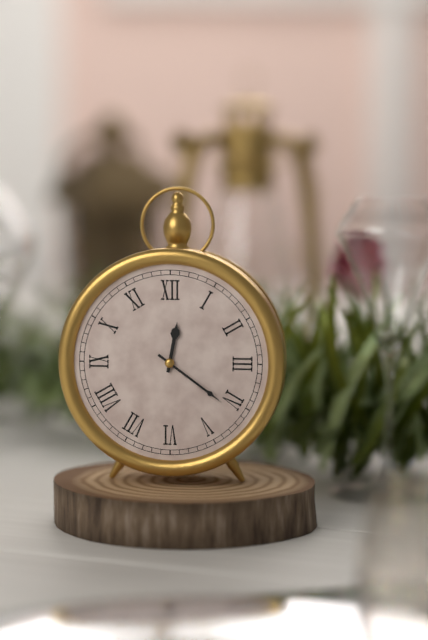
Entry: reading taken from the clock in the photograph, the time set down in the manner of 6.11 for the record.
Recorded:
12.21
